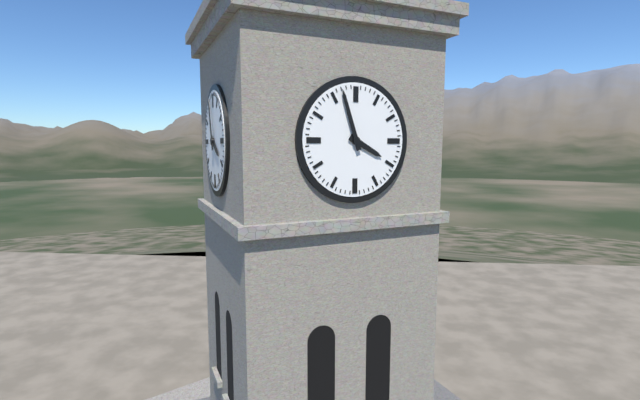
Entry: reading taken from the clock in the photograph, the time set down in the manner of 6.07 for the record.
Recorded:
3.57
